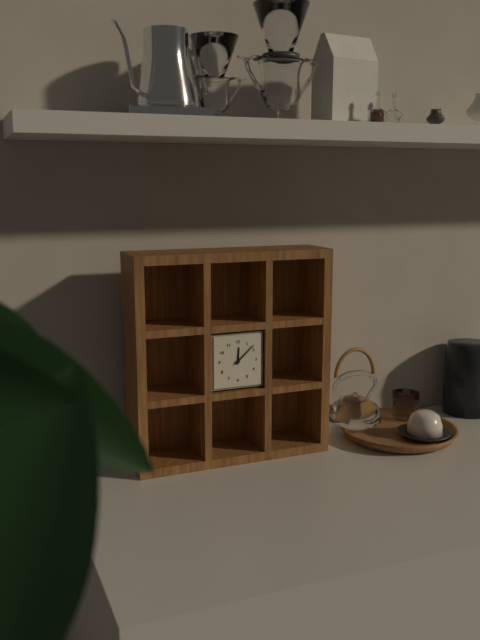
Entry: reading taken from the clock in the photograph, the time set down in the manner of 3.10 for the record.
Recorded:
12.08
